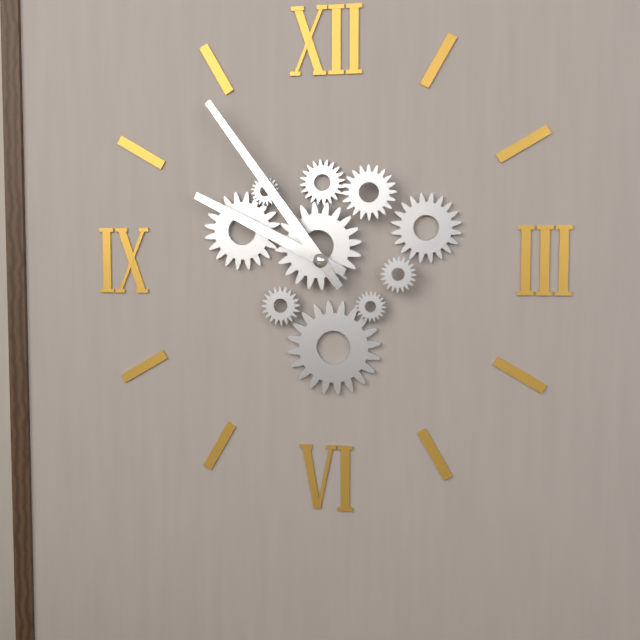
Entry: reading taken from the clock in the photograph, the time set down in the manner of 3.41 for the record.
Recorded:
9.54
